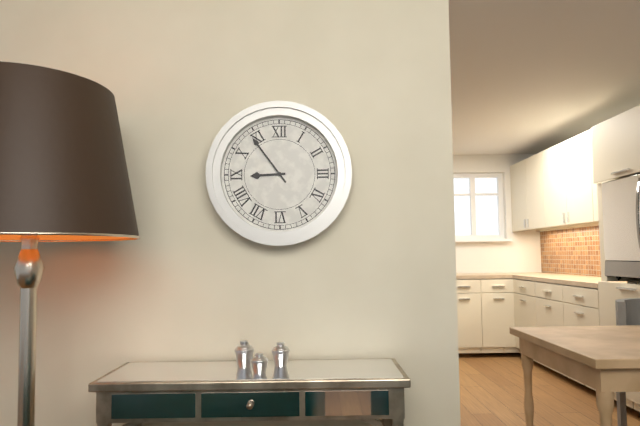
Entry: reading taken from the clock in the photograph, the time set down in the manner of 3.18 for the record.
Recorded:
8.54
